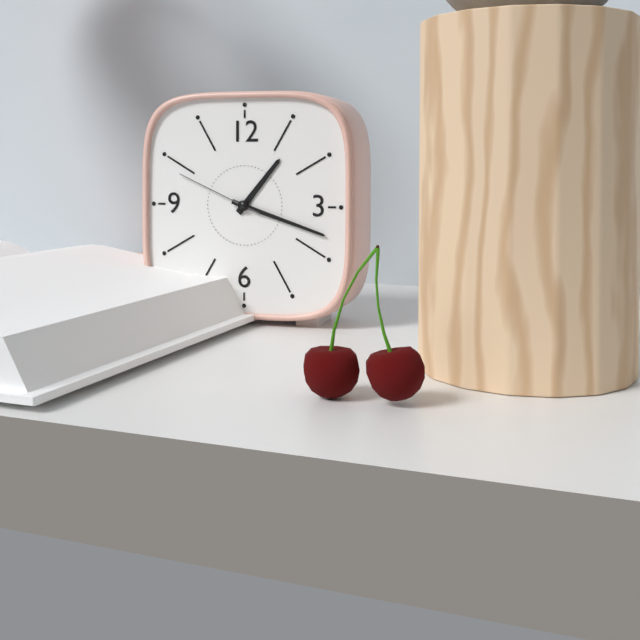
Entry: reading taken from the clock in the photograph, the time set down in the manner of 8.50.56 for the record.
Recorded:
1.18.49
